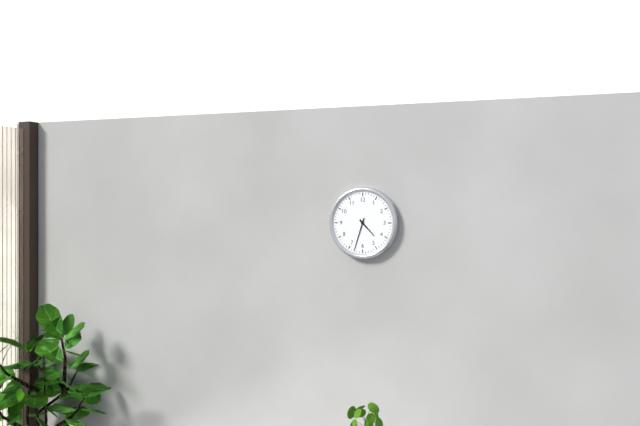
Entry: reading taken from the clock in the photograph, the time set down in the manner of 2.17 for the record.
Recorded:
4.33
